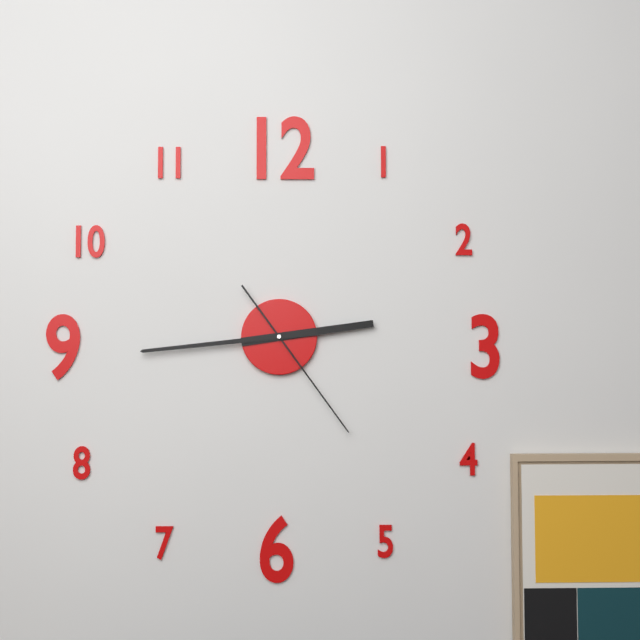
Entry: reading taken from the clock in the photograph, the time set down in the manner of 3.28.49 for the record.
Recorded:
2.44.24
